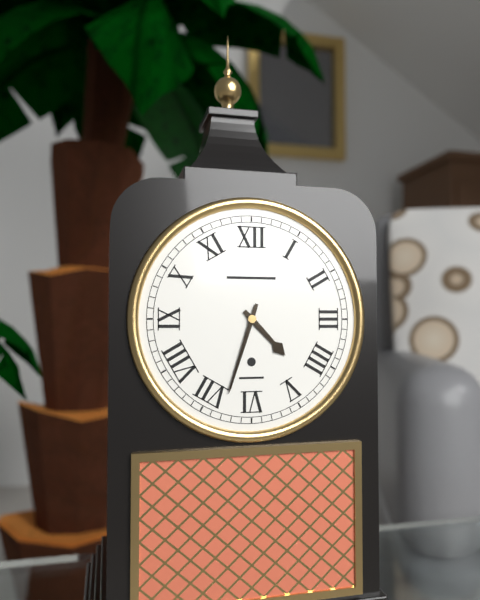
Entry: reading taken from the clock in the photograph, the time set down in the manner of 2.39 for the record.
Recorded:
4.33
